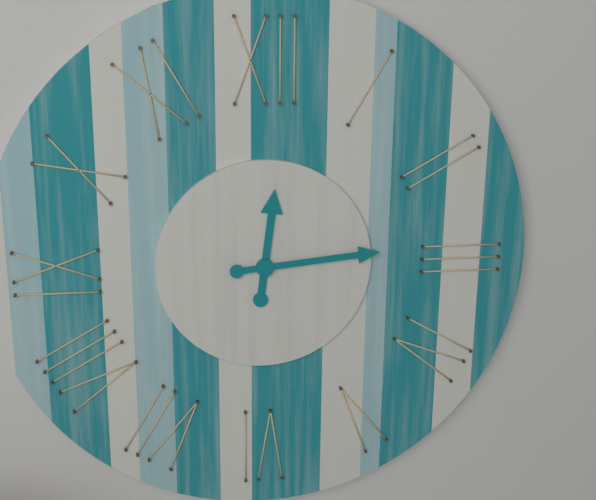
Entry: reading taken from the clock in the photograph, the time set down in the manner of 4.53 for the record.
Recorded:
12.14
